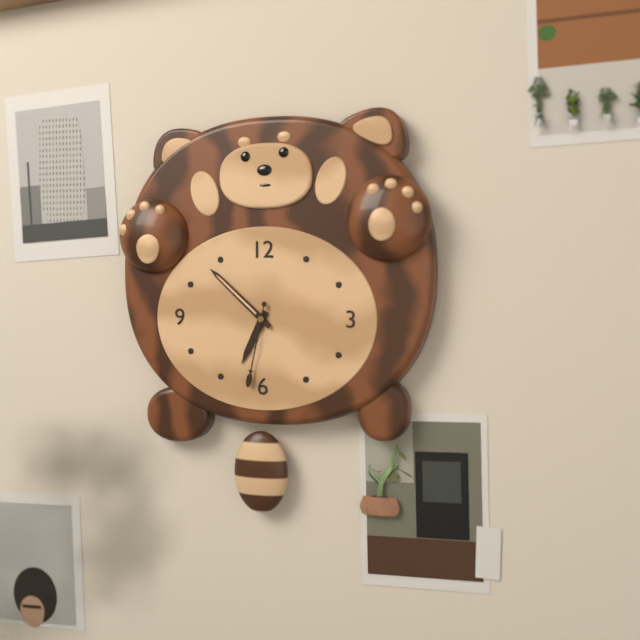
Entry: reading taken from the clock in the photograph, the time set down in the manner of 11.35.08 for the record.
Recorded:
6.52.32
